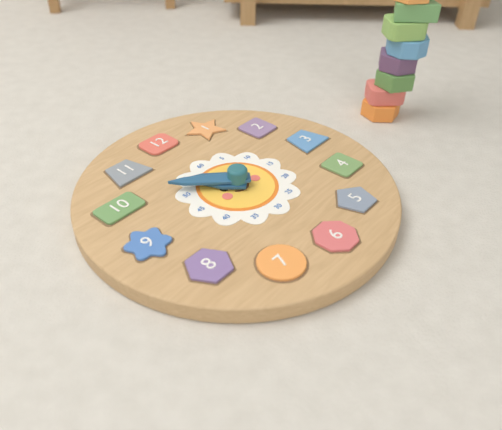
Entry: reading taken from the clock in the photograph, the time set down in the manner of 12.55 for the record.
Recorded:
10.52
